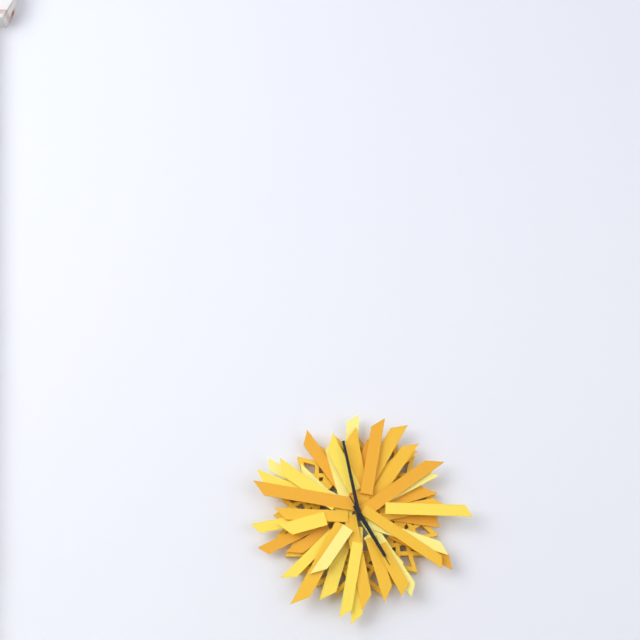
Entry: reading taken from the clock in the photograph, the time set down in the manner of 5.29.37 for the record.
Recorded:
4.58.25
